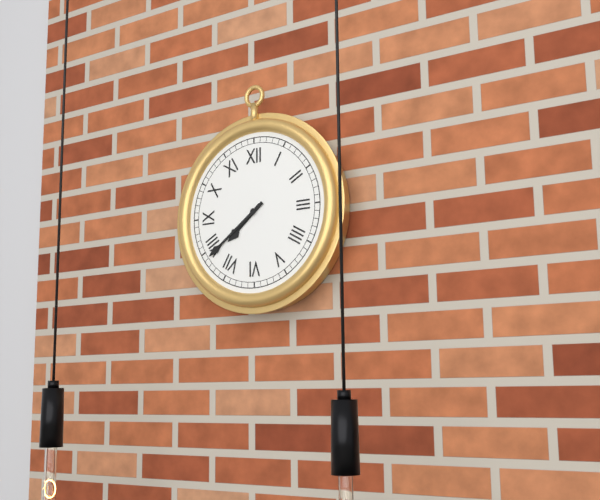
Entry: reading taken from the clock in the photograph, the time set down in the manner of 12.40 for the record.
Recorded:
7.39
